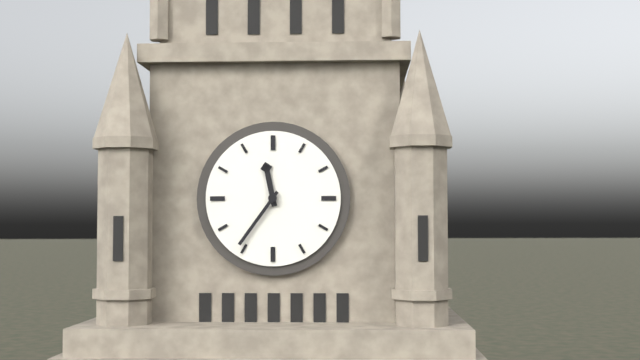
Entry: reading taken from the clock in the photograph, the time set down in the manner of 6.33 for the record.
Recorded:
11.36
